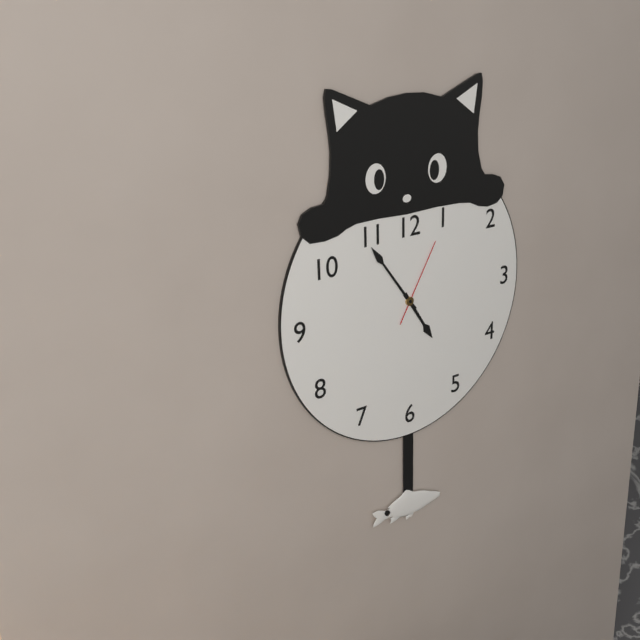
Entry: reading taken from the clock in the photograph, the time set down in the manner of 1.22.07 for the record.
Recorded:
4.54.05
